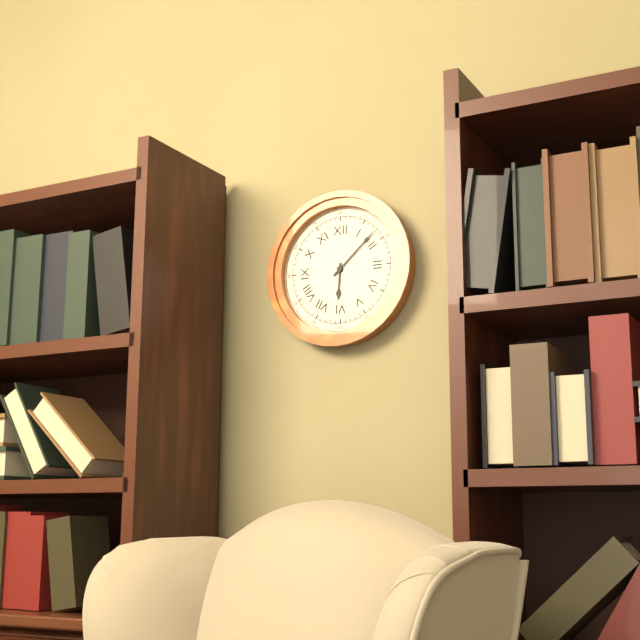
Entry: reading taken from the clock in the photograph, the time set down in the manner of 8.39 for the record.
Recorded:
6.08
